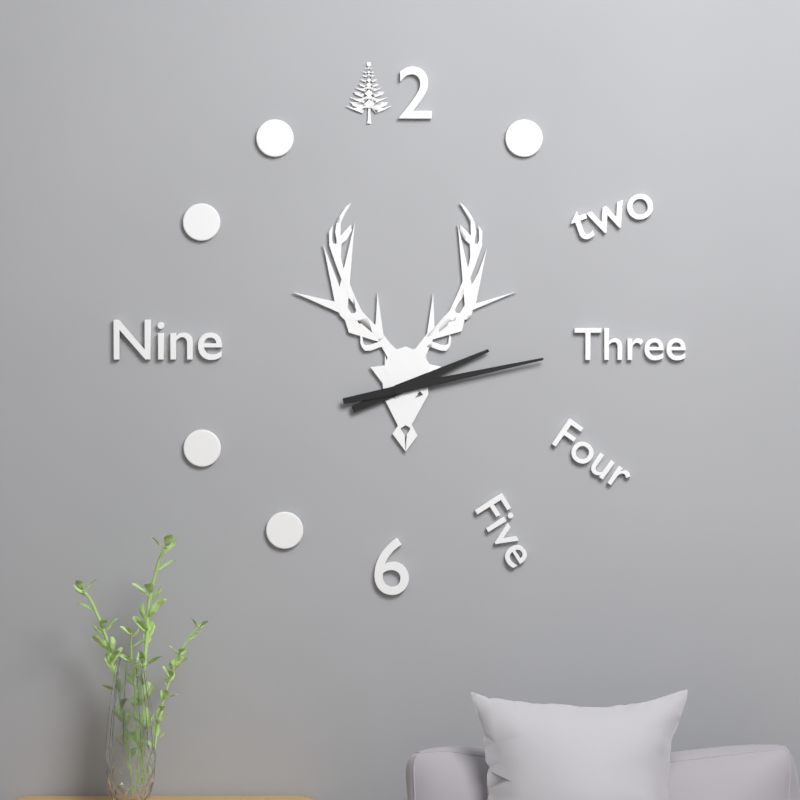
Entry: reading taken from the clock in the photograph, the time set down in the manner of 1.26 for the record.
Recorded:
2.13
